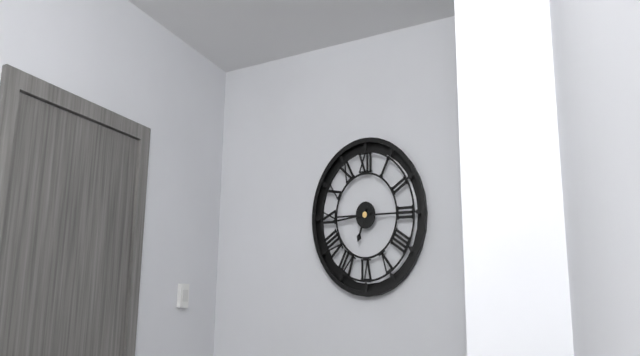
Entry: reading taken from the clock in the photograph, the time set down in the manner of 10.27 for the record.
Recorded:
6.44
